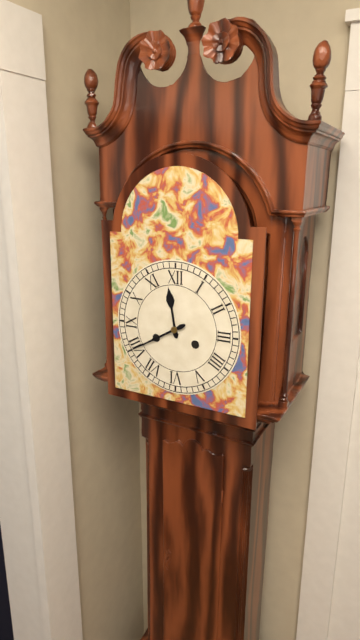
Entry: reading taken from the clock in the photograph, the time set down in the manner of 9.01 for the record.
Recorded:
11.40
